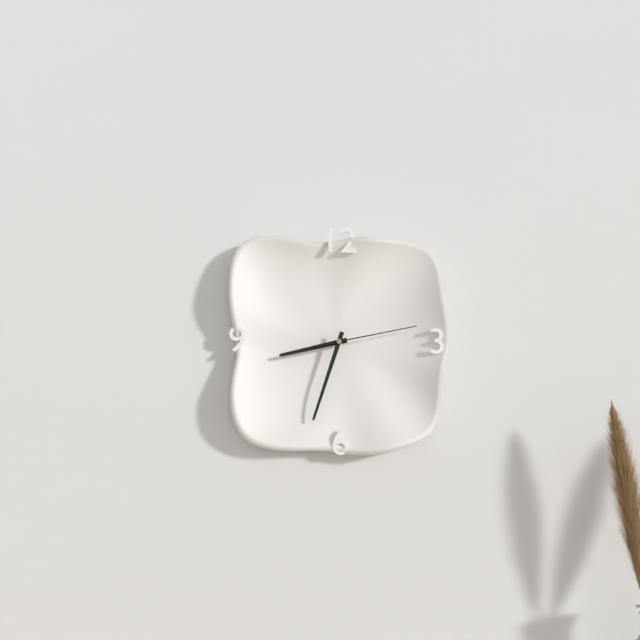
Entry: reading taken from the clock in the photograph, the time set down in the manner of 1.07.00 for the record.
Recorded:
8.33.13
